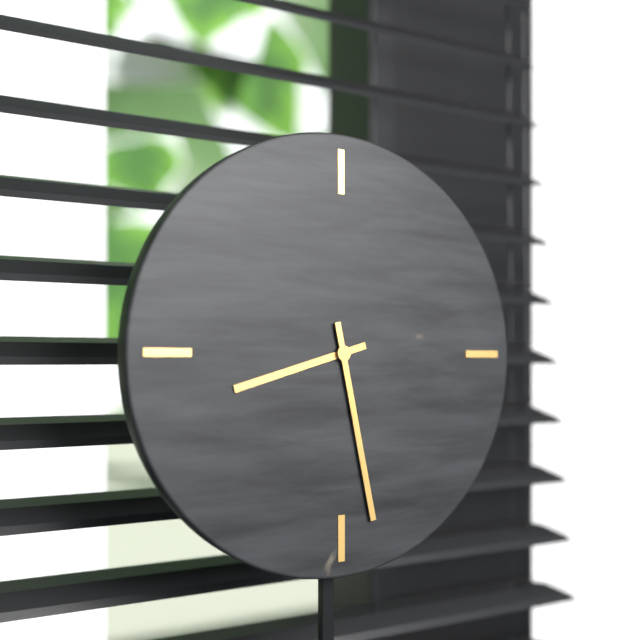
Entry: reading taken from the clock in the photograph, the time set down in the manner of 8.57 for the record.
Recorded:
8.28
